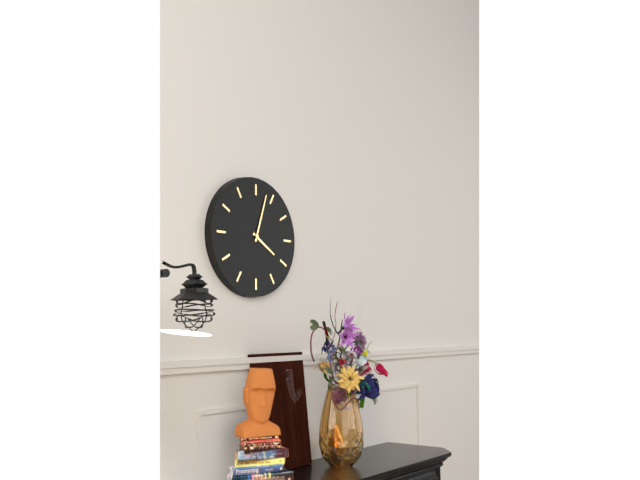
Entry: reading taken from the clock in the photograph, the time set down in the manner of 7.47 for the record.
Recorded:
4.03
